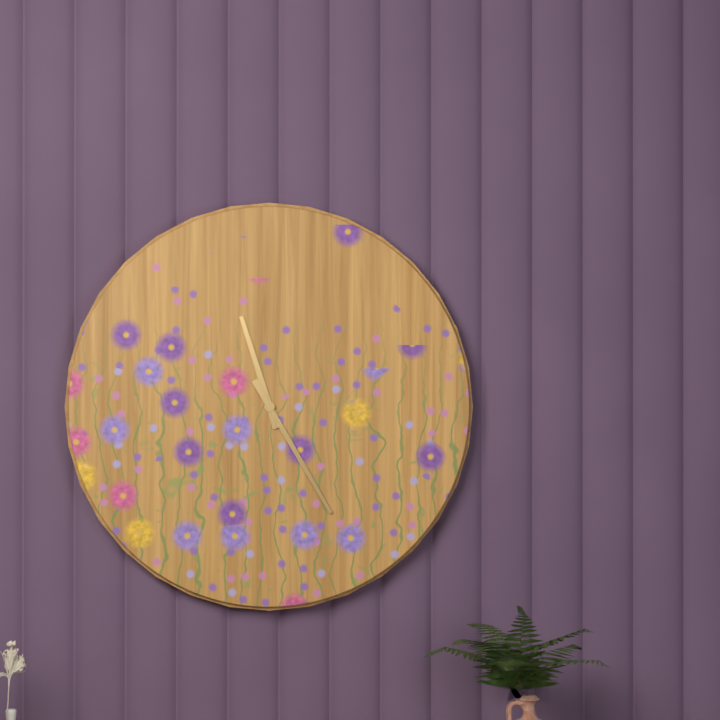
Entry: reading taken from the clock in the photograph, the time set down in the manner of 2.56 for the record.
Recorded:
11.25
